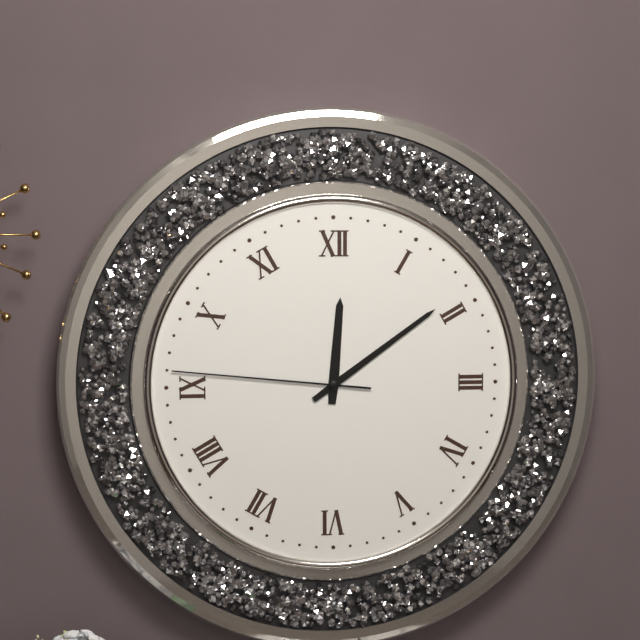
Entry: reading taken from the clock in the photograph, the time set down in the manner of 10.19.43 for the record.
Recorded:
12.09.46
